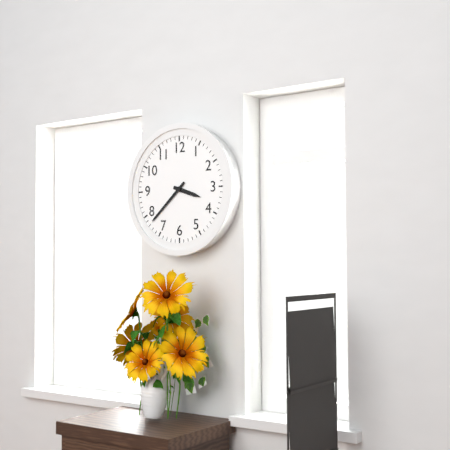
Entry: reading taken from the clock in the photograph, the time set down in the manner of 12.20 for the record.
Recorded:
3.38
